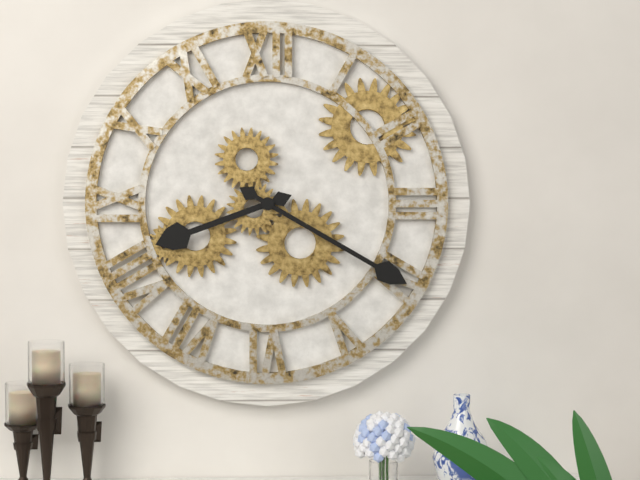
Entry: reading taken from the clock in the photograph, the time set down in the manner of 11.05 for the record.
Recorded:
8.20
